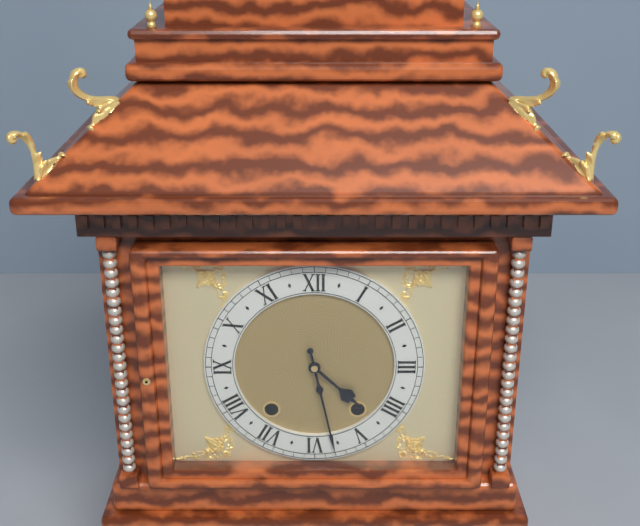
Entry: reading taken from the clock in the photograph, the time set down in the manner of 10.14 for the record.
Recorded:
4.28
